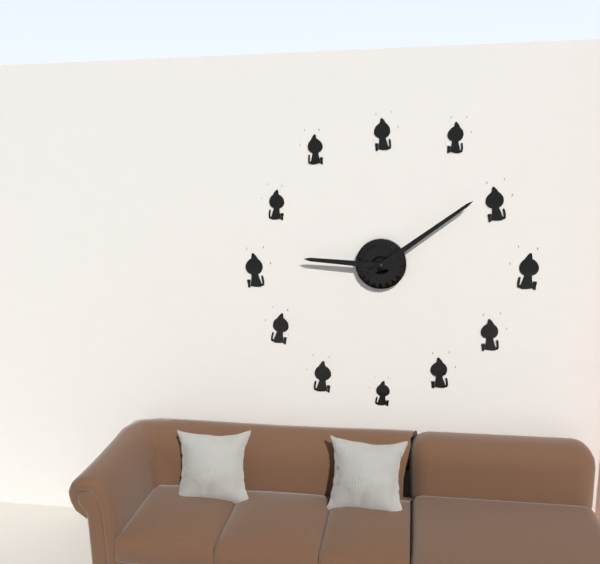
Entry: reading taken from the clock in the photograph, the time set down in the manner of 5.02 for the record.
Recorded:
9.09
